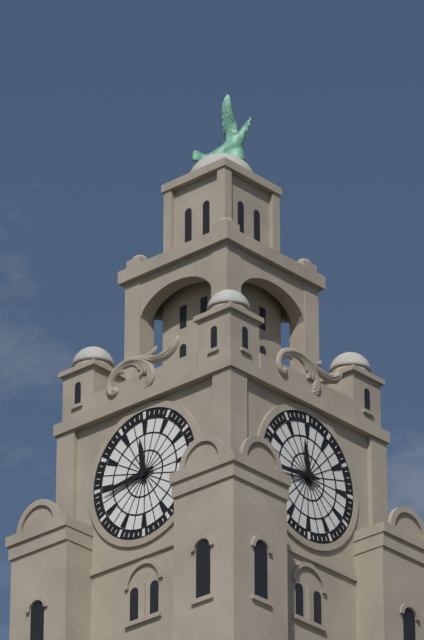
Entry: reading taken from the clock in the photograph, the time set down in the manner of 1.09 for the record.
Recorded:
11.44
